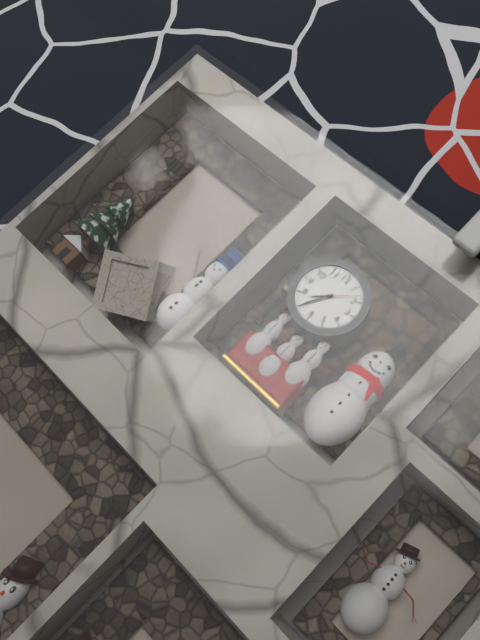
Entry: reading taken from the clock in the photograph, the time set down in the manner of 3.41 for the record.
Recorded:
7.35
